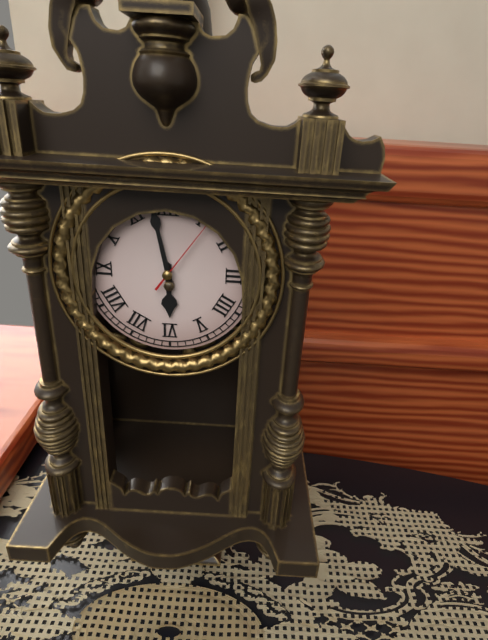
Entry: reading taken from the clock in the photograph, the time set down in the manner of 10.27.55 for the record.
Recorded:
5.58.06
